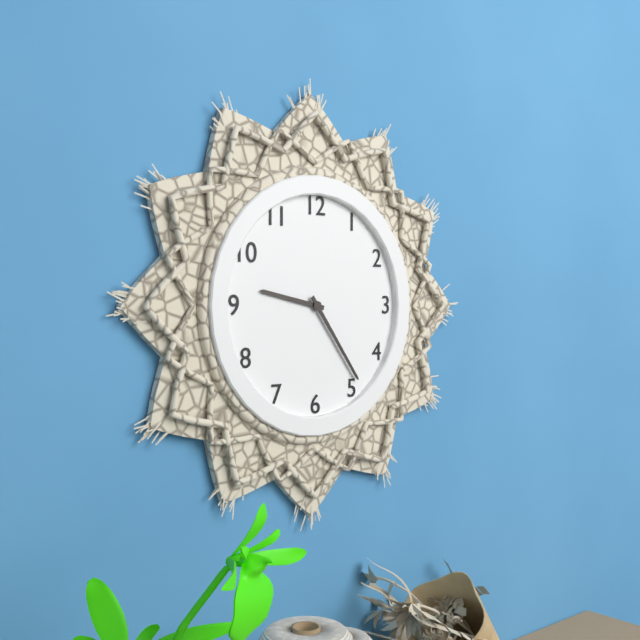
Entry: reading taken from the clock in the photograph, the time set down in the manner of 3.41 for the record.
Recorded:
9.24
